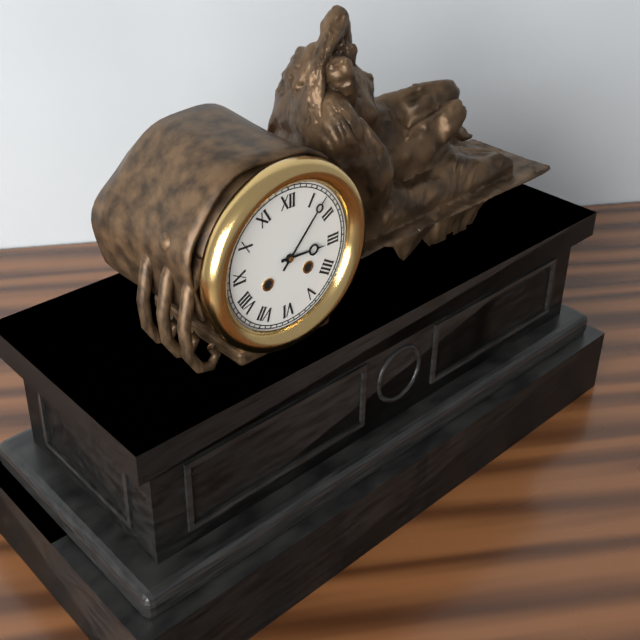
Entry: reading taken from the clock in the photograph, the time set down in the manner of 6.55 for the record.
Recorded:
3.07
